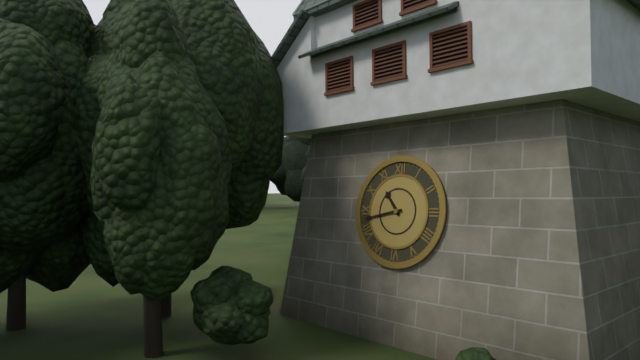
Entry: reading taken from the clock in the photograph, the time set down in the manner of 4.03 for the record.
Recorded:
10.43
